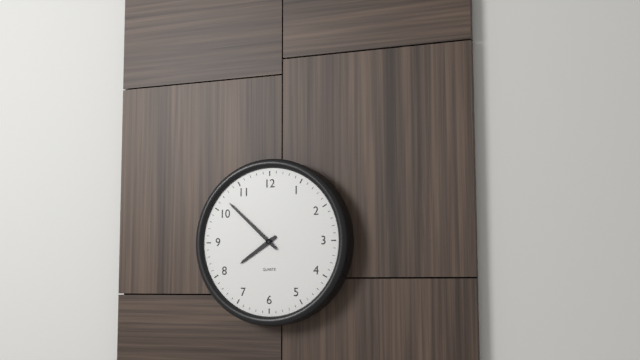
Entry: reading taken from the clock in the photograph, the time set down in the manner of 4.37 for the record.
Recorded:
7.52
